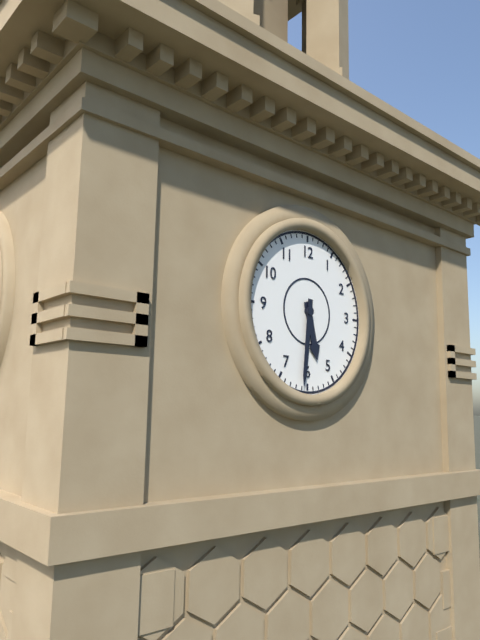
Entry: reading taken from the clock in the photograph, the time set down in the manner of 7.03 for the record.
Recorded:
5.31
